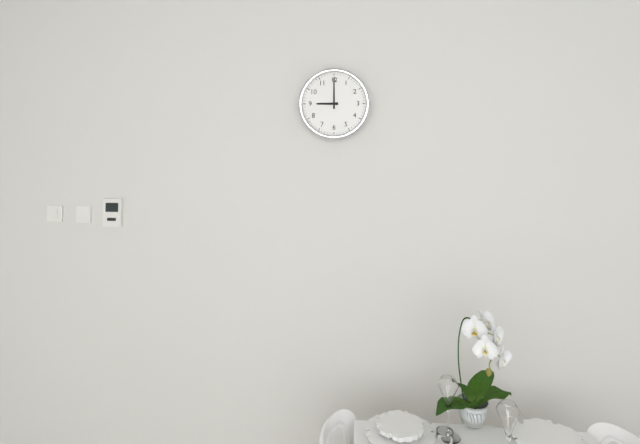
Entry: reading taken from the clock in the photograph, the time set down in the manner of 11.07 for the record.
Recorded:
9.00
